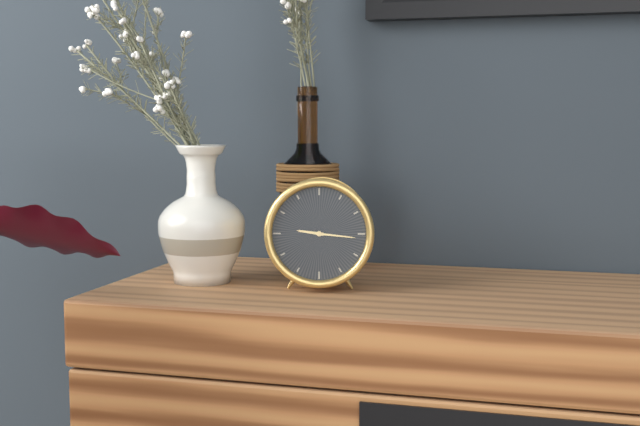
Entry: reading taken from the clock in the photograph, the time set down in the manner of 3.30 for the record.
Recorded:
9.16
